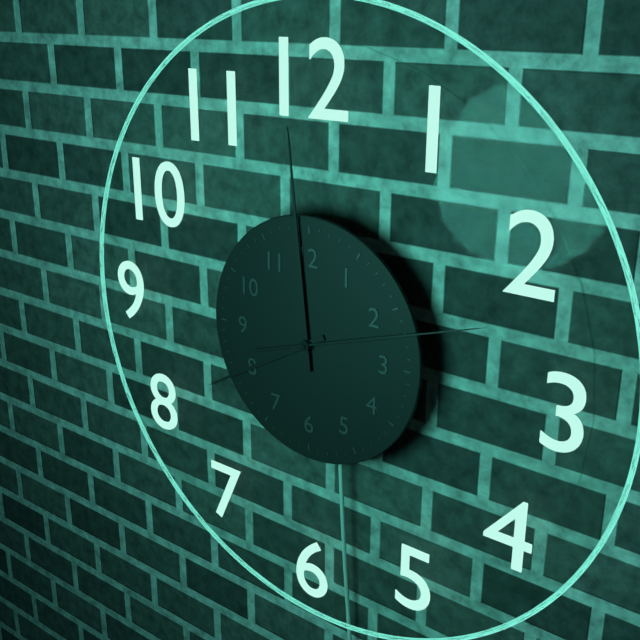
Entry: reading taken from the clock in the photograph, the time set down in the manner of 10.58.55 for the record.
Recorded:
7.59.12
